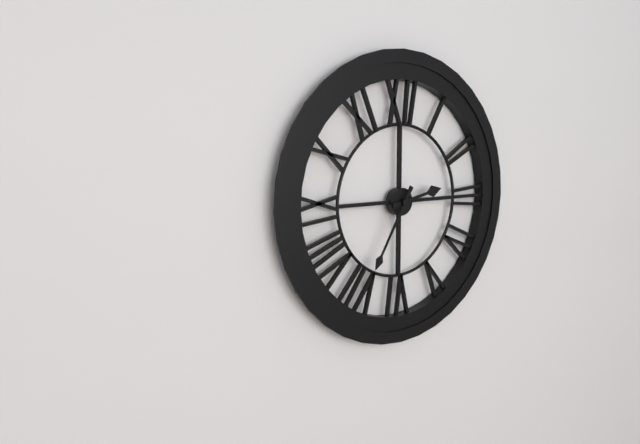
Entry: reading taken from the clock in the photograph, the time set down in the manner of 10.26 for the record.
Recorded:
2.35
